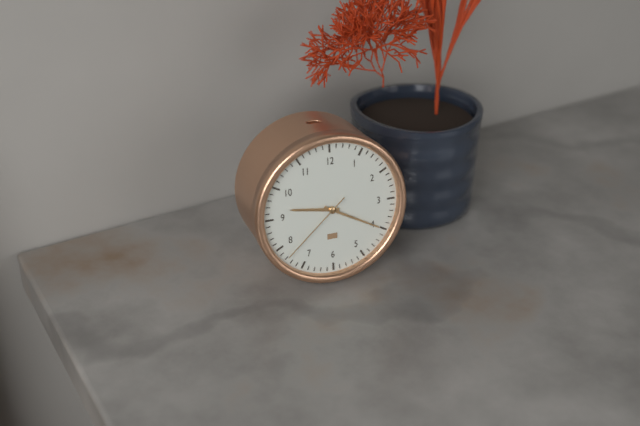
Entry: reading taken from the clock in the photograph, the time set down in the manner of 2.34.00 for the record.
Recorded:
9.20.38
